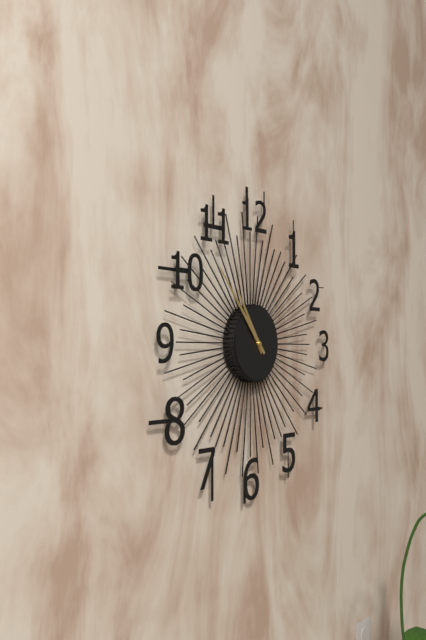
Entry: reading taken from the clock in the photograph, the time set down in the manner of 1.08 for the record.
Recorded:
10.53
